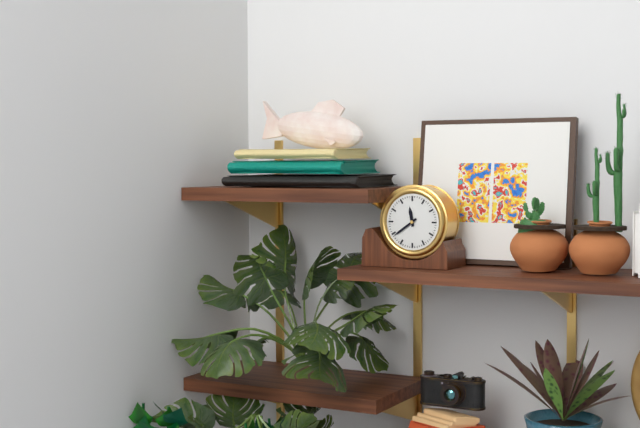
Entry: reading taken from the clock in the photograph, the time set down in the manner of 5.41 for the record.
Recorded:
11.39
